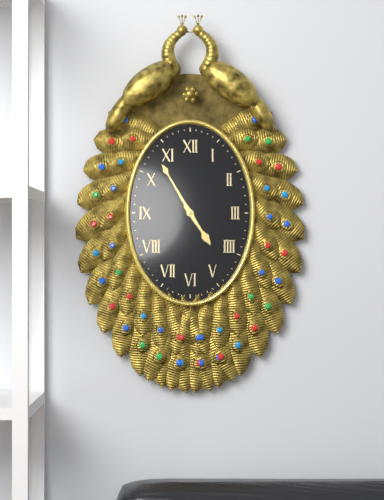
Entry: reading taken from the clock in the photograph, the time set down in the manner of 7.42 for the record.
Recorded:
4.55
